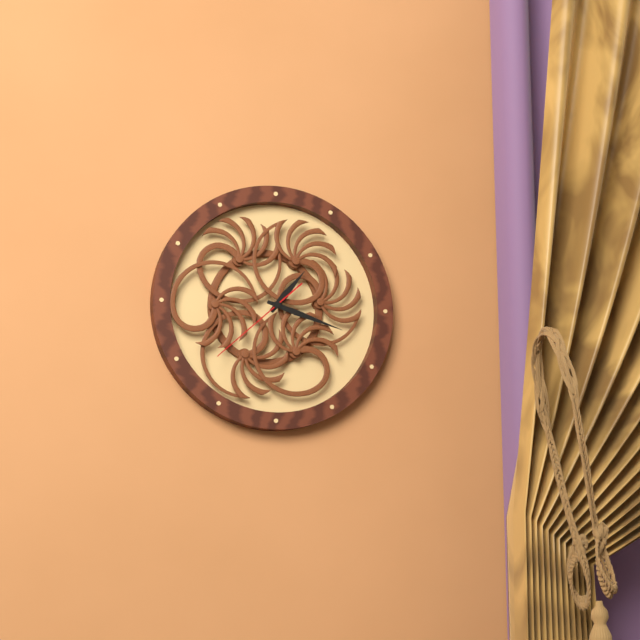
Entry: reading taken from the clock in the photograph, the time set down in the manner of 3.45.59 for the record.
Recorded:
1.18.38
